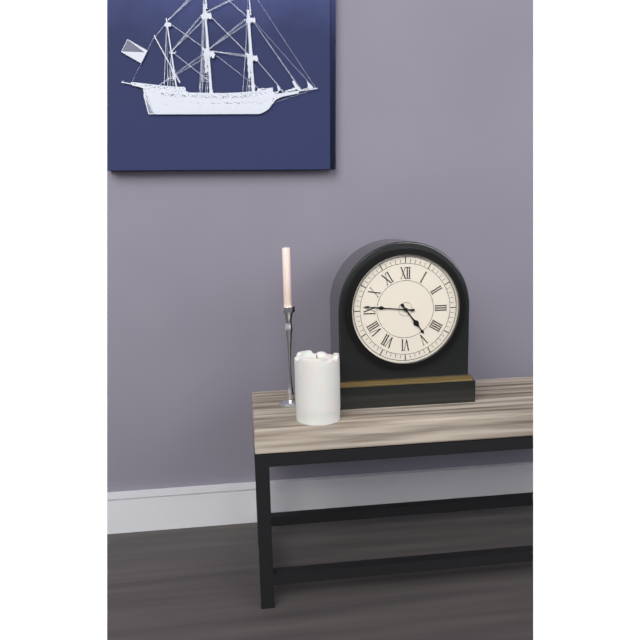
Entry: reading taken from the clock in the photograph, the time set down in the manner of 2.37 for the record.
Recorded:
4.46
